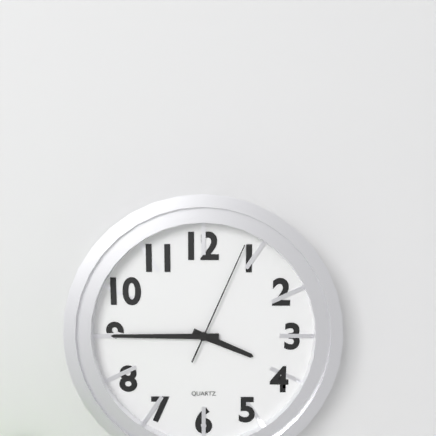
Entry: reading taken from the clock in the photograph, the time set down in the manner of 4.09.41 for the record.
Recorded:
3.45.04
